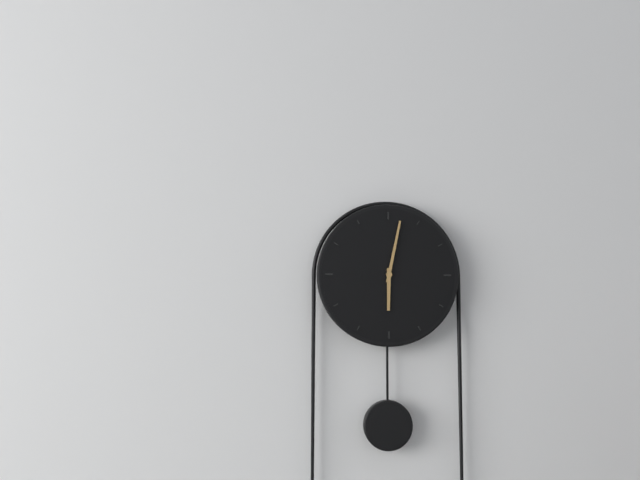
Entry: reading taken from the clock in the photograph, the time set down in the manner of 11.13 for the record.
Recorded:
6.02
